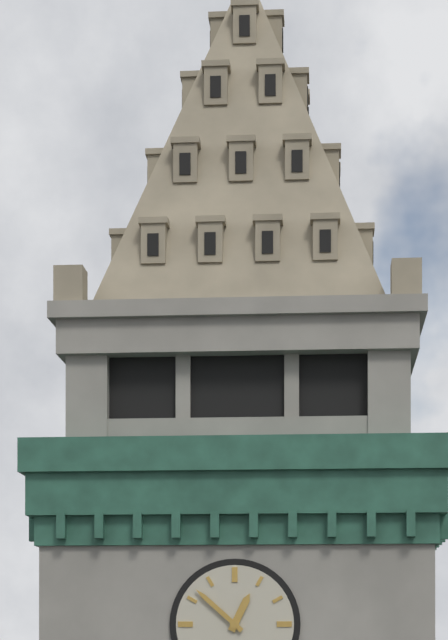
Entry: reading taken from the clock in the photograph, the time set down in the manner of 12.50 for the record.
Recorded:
12.52
